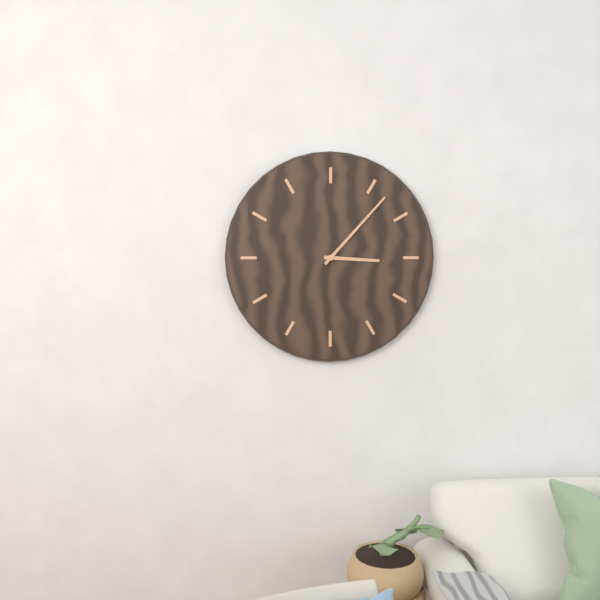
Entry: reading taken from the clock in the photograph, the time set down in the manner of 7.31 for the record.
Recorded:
3.07
